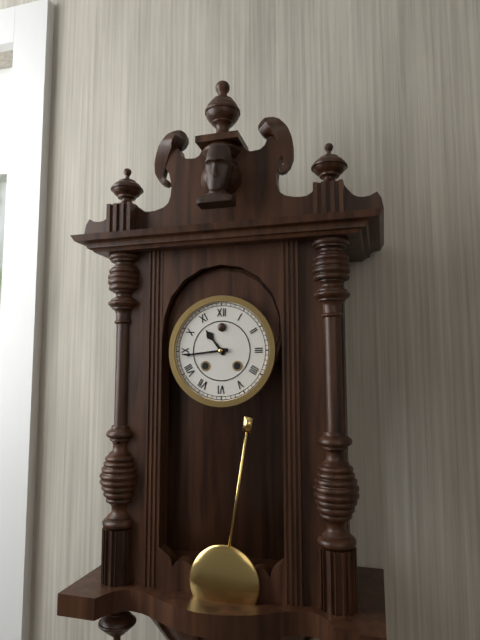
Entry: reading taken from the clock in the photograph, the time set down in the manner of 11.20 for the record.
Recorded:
10.44
